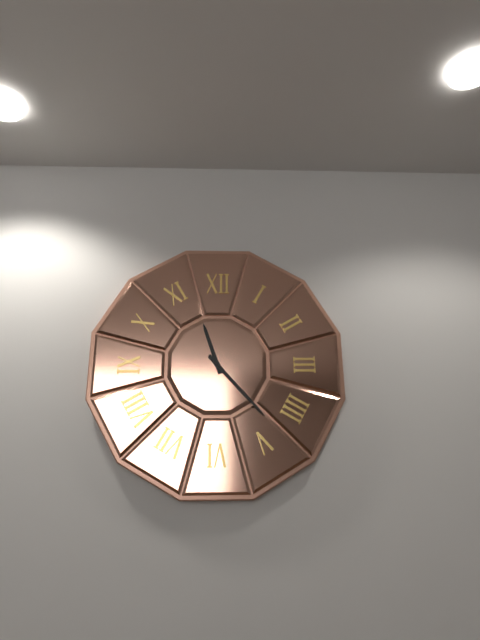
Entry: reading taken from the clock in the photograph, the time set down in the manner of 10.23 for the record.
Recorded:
11.23
